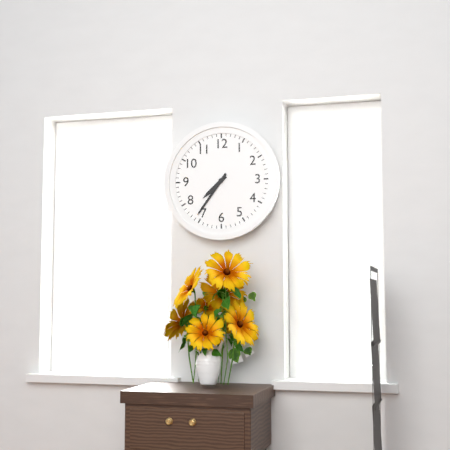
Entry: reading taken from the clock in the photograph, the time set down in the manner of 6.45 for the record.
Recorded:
7.36
